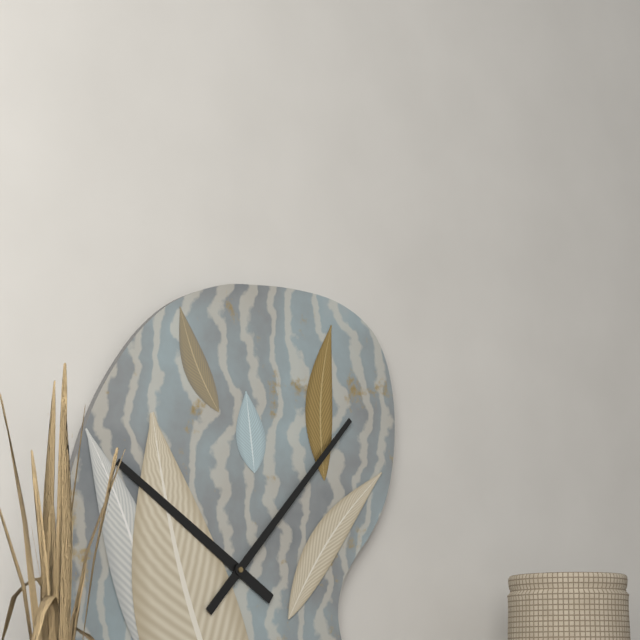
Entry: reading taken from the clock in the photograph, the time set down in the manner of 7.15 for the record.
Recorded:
10.07
